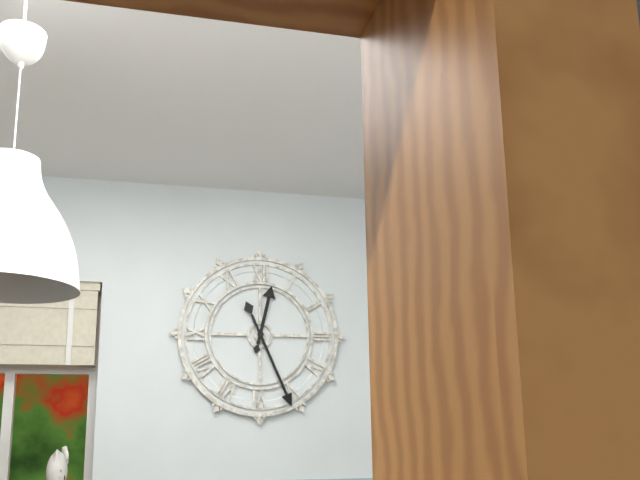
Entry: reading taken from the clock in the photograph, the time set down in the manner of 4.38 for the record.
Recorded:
12.26
